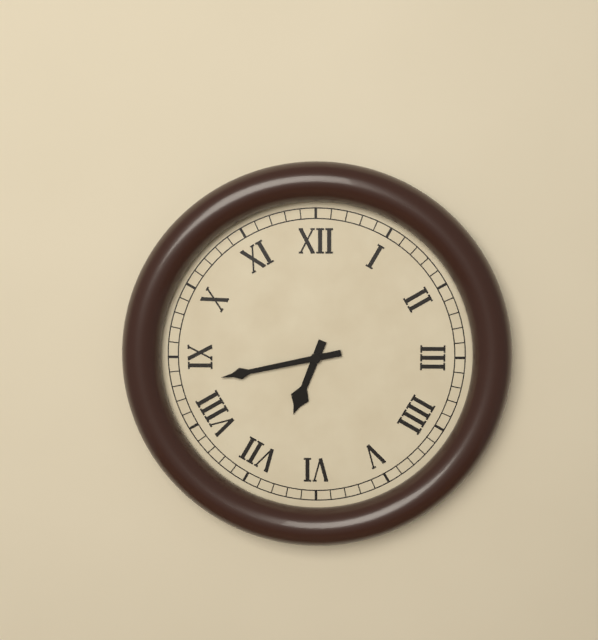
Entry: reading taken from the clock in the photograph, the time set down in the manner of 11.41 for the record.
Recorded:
6.43
